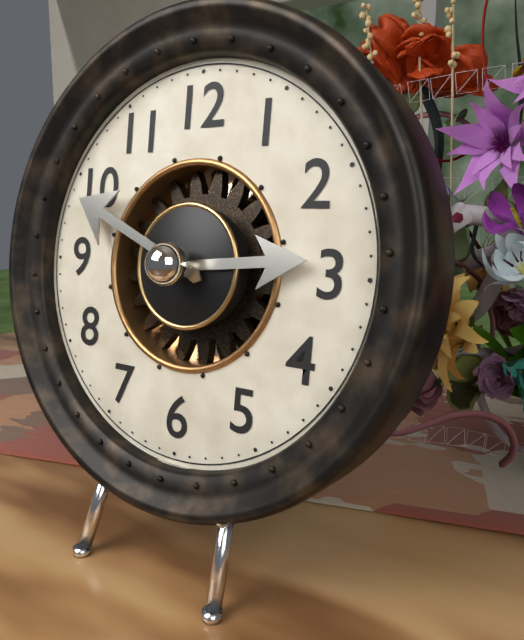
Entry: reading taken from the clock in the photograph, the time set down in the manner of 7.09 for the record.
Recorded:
2.49
